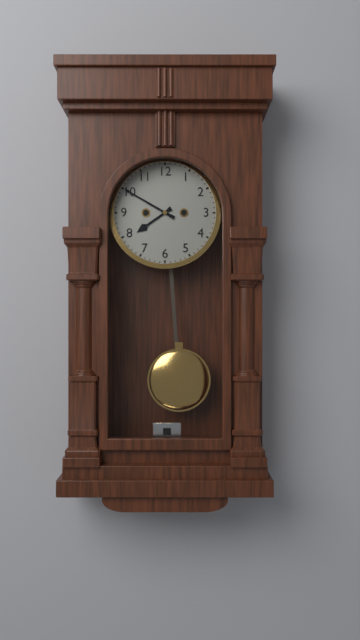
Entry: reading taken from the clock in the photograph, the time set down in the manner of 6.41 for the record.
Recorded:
7.50
